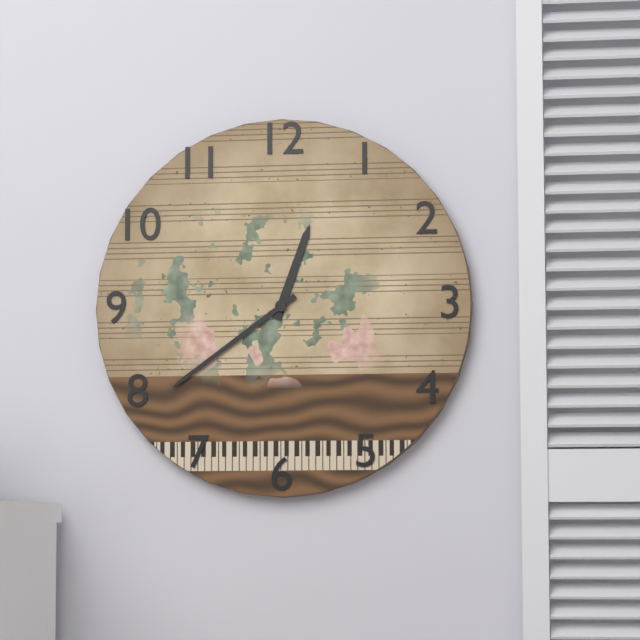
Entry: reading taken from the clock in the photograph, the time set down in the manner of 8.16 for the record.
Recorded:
12.39
